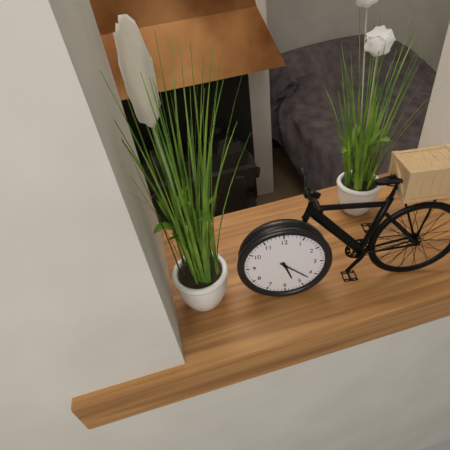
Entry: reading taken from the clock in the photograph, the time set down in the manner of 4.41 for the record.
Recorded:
5.22
